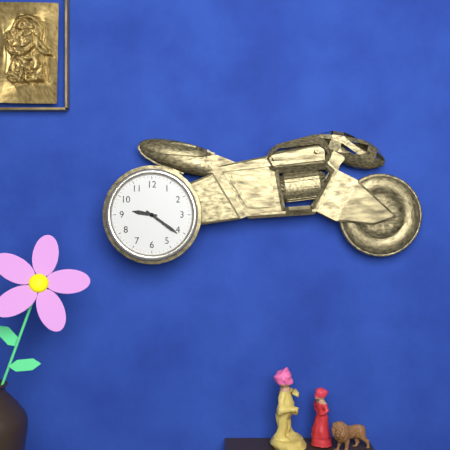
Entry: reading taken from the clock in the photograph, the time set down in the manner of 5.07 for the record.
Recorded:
9.21
